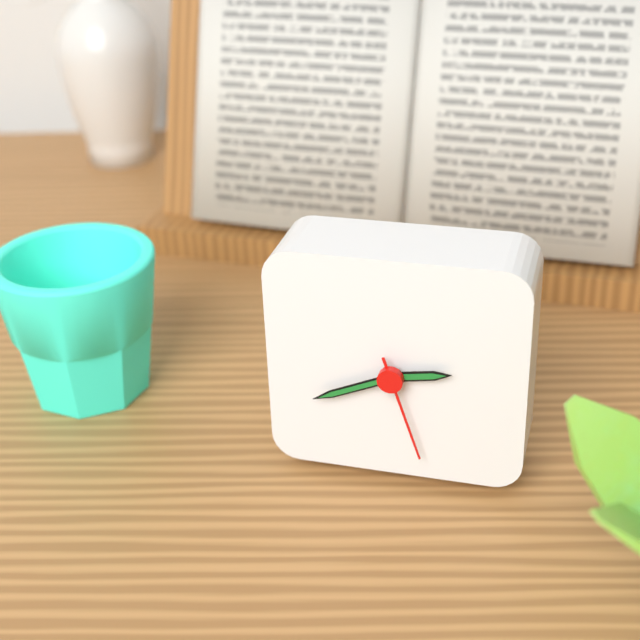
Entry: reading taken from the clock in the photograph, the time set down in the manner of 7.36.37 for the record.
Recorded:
2.41.27
